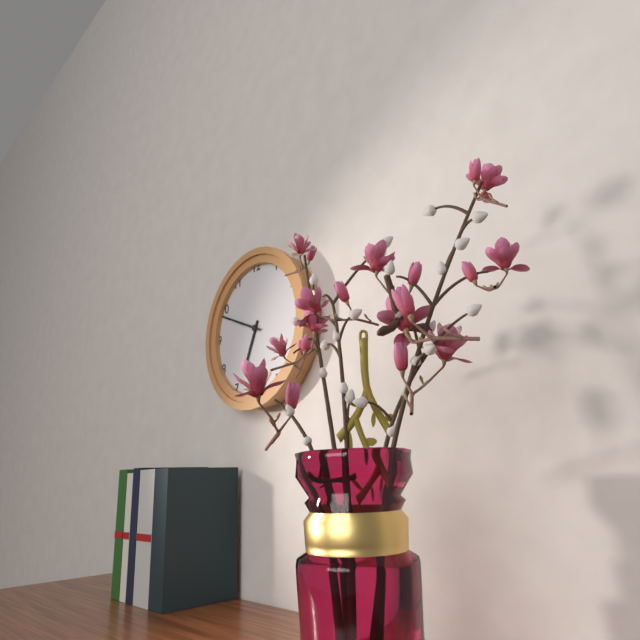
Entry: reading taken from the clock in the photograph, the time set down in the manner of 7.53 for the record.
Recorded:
6.49
